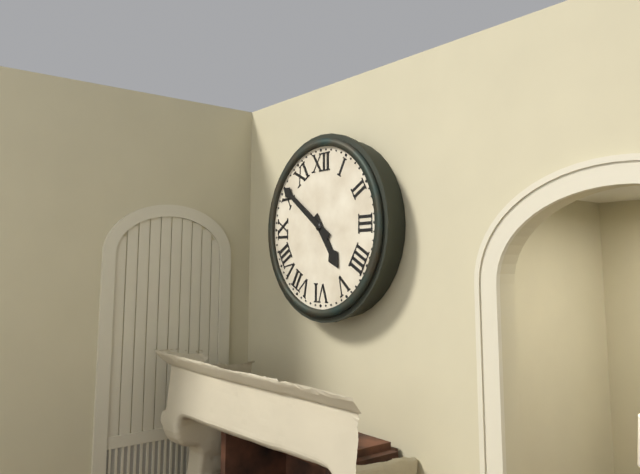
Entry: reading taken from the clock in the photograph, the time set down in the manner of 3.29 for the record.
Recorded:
4.51
